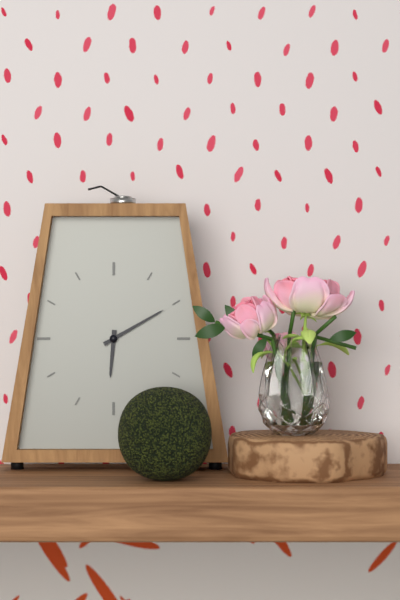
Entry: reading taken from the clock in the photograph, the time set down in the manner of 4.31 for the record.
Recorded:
6.10
